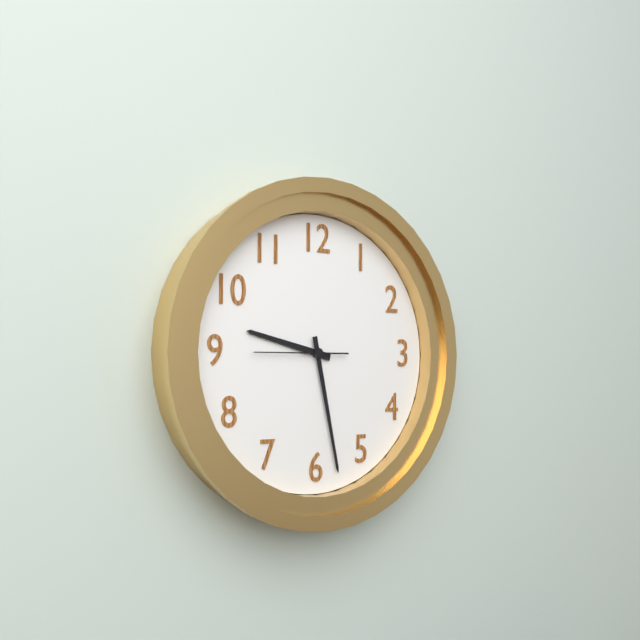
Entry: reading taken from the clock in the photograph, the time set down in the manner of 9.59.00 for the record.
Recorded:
9.28.45
